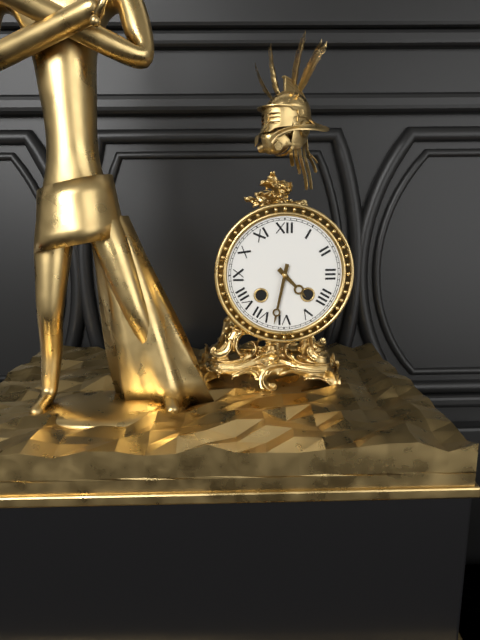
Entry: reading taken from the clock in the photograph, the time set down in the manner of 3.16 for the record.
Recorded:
4.32
